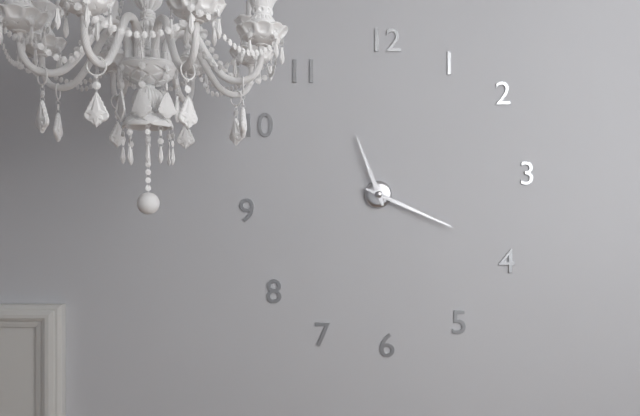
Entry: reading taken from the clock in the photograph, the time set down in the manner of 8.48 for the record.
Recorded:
11.19
